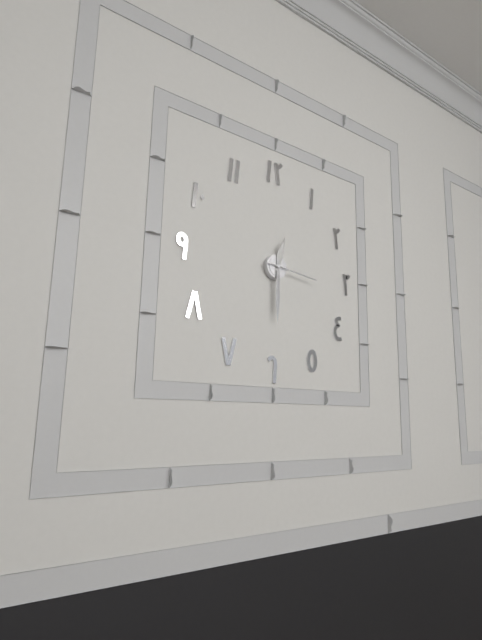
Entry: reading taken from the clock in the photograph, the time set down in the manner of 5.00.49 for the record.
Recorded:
12.30.16
